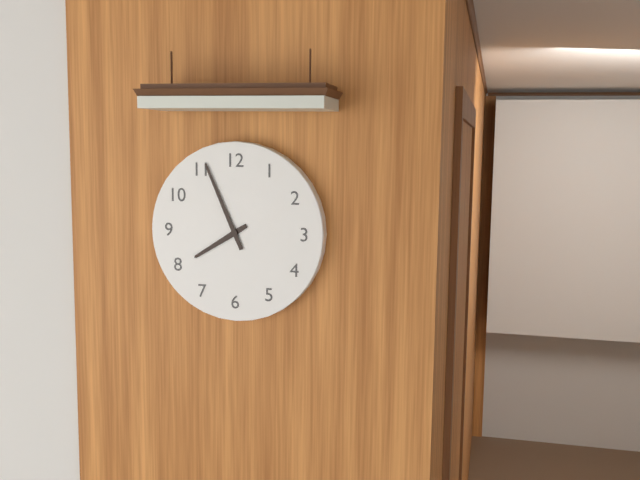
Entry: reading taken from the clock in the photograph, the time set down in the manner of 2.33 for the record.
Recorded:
7.56
